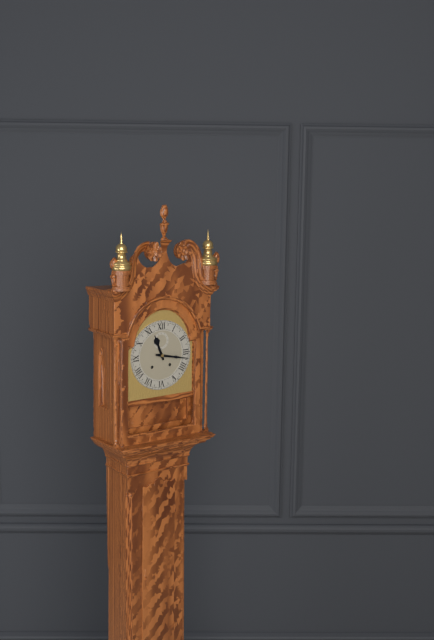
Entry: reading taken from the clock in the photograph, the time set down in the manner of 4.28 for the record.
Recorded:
11.17
